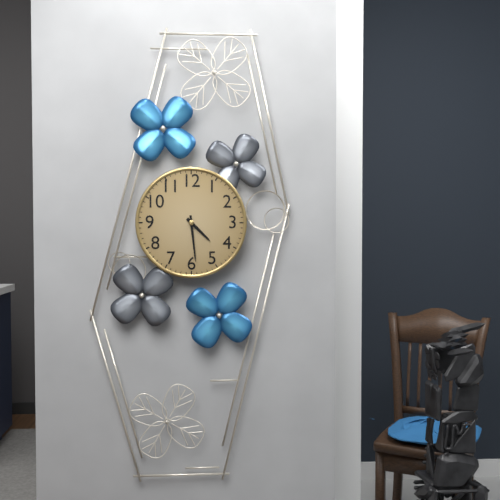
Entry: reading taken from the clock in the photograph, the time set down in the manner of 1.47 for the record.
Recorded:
4.29
